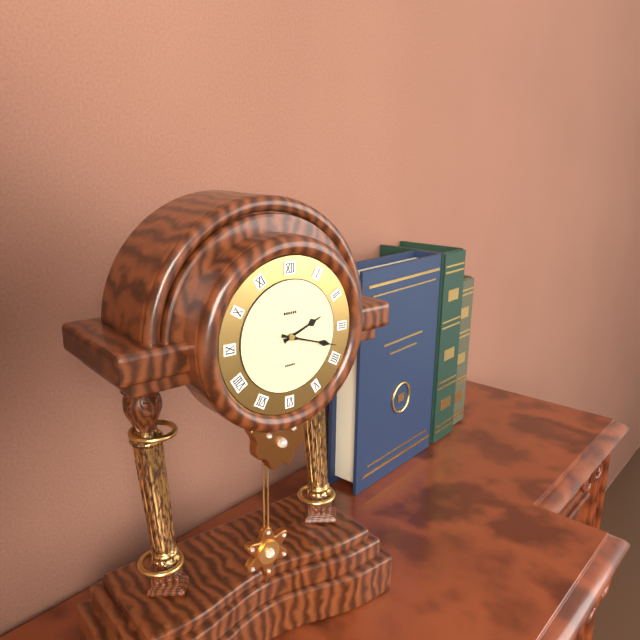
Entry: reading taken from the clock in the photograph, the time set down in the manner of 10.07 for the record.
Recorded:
2.18
